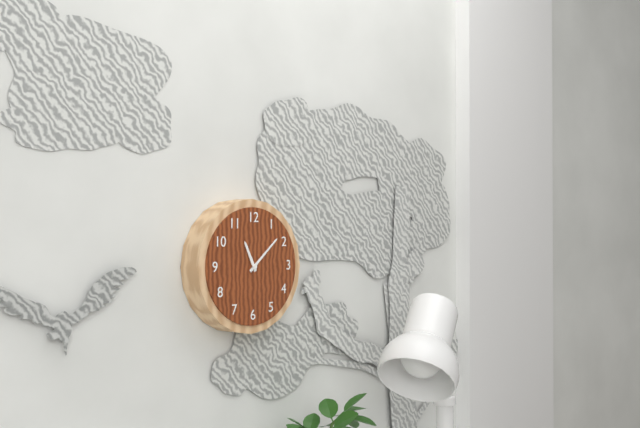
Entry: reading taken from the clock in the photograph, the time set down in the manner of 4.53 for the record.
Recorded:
11.08
